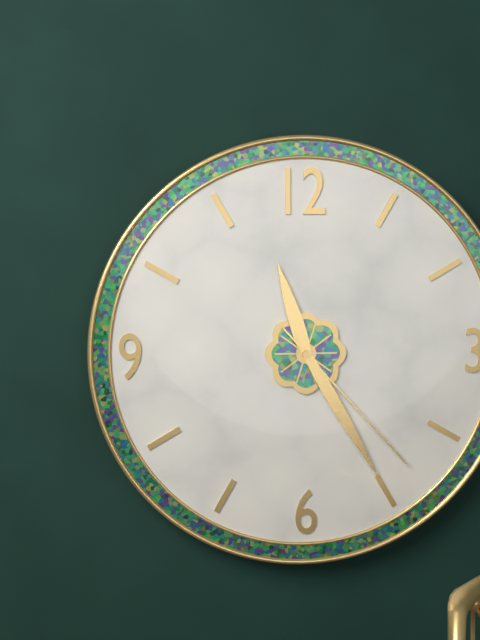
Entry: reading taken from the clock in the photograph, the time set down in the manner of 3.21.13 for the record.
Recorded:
11.25.23
